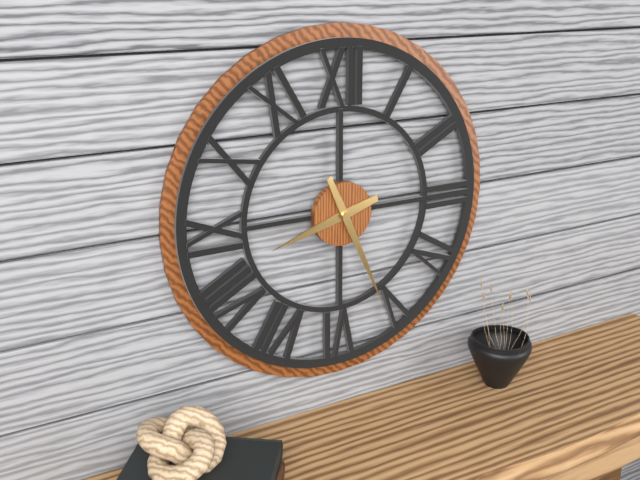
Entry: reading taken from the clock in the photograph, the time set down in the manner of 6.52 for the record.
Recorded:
8.26
